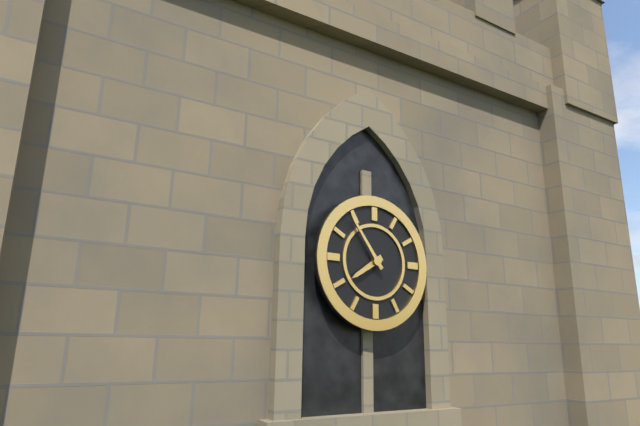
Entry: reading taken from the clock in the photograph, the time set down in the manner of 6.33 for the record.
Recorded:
7.54
